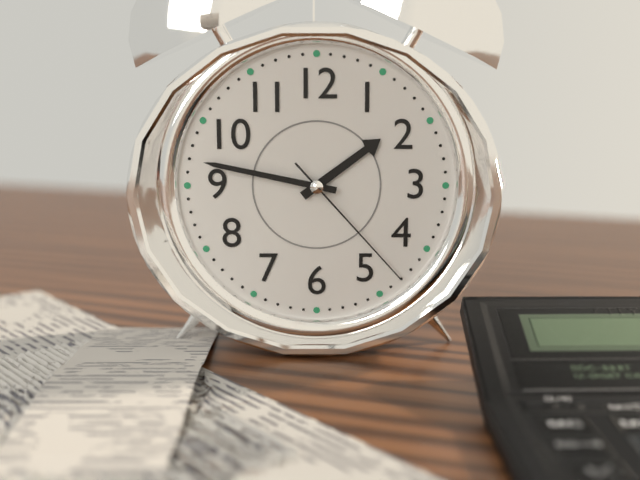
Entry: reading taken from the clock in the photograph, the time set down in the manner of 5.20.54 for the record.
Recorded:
1.47.23
